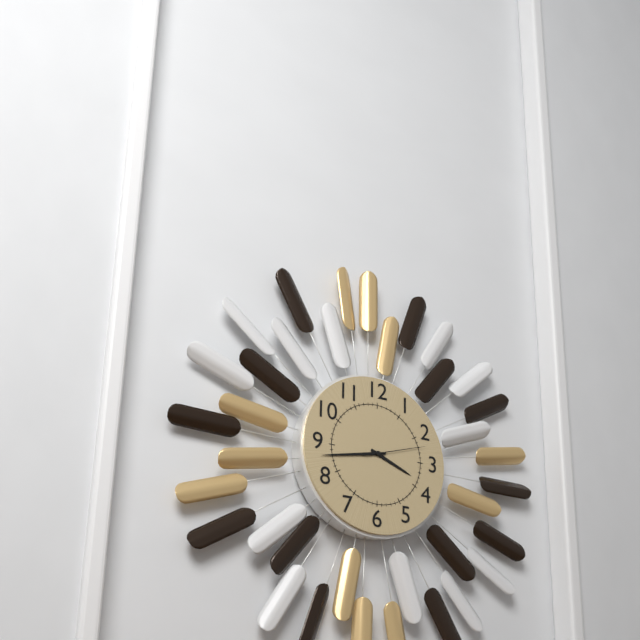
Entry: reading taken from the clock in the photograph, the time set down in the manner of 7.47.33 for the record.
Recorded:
3.43.12
